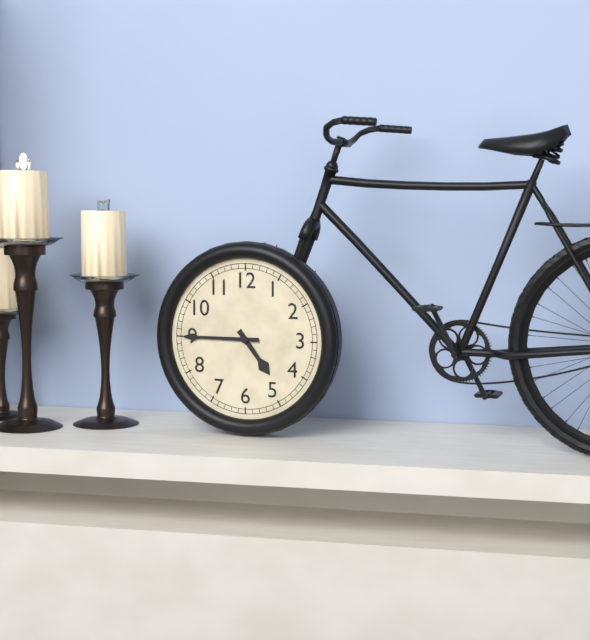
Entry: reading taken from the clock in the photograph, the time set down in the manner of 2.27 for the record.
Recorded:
4.45
